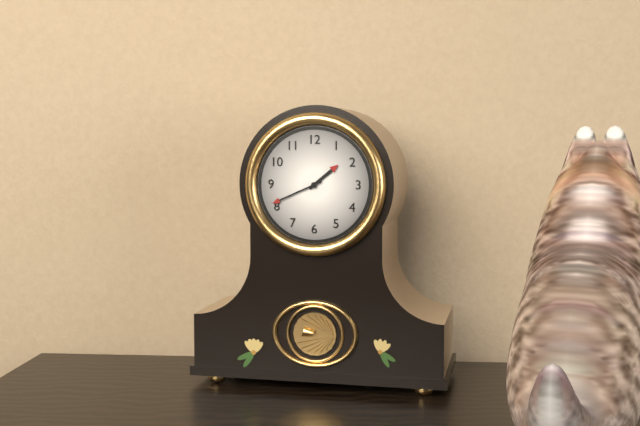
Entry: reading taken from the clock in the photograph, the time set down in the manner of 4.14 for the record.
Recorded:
1.41
